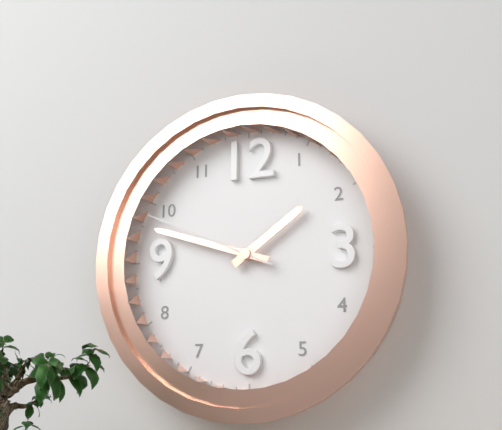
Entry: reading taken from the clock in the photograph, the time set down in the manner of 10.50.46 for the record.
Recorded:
1.48.49
